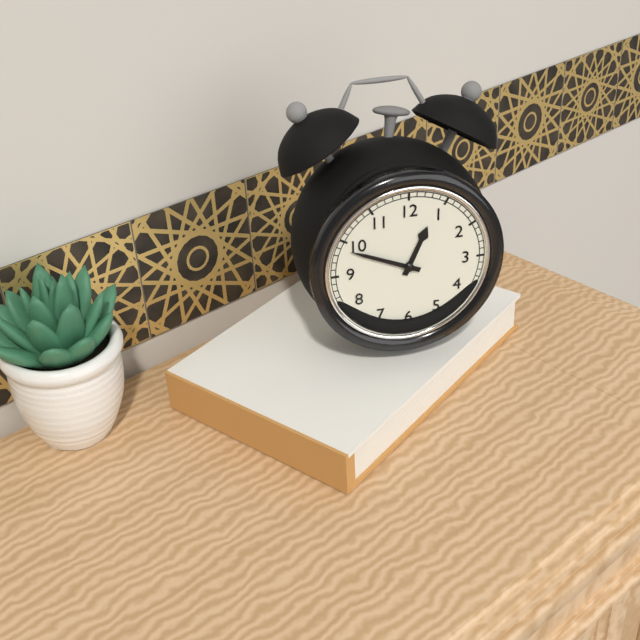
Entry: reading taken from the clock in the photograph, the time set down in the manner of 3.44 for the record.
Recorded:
12.49
